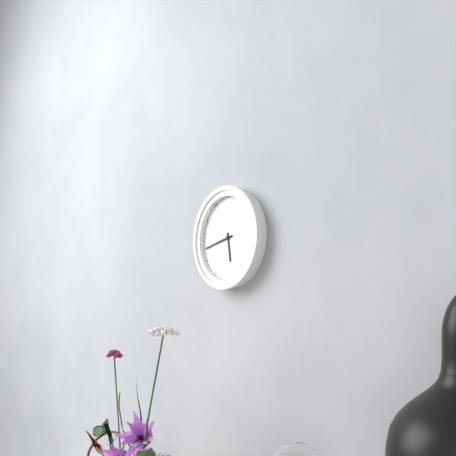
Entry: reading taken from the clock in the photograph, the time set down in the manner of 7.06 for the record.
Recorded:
5.43
